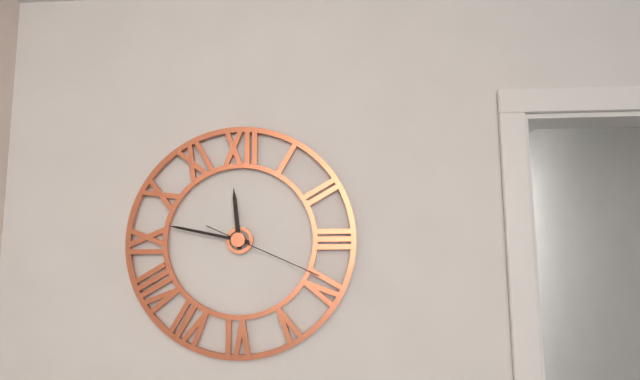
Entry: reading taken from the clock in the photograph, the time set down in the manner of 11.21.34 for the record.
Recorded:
11.47.19
